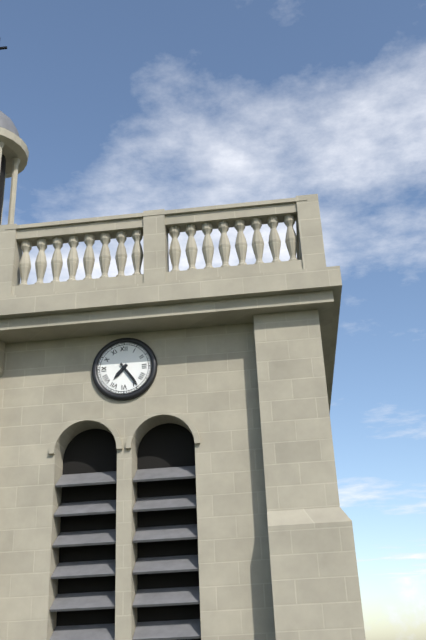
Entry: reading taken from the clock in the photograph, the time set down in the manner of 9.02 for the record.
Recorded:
7.24
